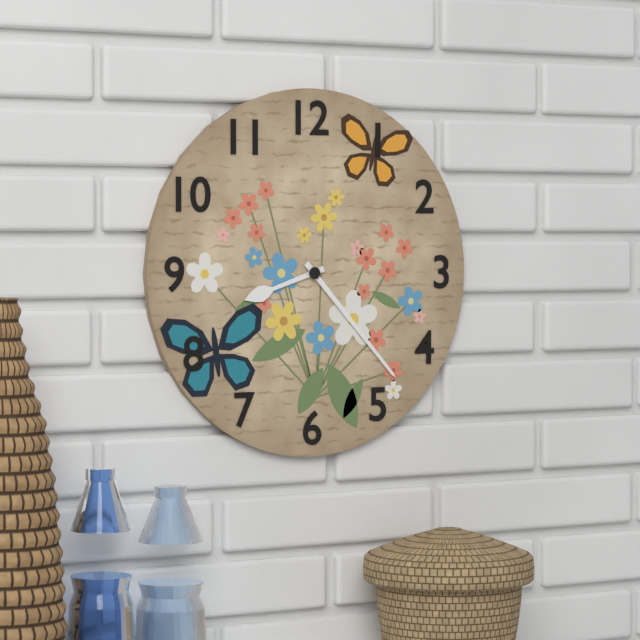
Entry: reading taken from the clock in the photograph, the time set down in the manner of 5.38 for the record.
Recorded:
8.23
